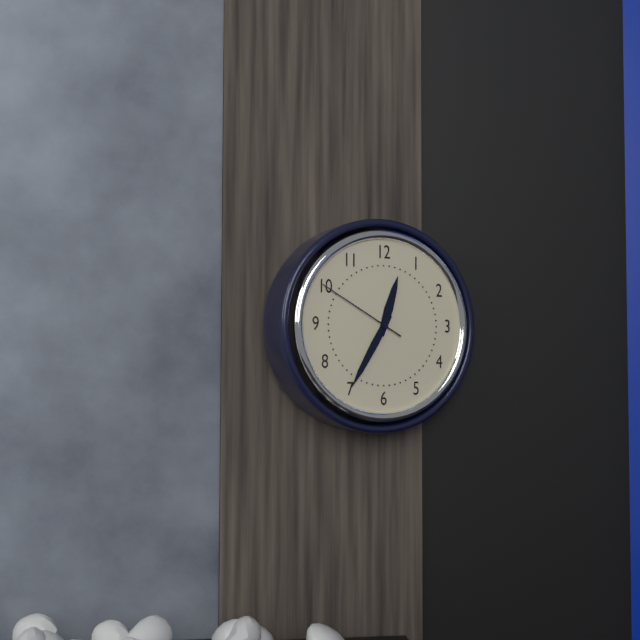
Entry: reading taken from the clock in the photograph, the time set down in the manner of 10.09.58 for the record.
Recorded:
12.35.50
